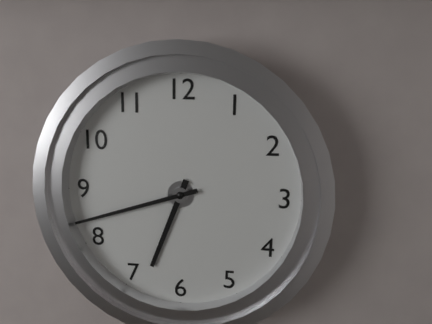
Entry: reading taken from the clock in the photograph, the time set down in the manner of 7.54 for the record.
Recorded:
6.42
